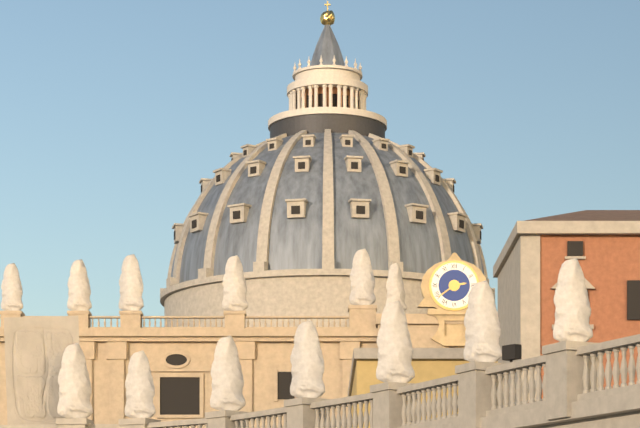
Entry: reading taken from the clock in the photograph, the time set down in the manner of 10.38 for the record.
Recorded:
2.39
